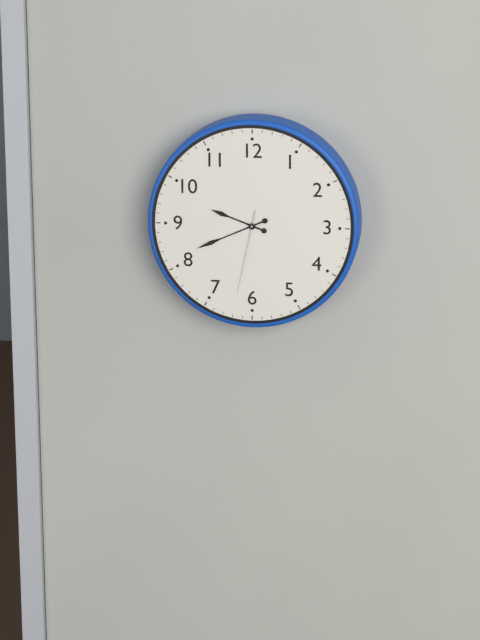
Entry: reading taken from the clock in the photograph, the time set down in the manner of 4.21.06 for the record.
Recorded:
9.41.32
